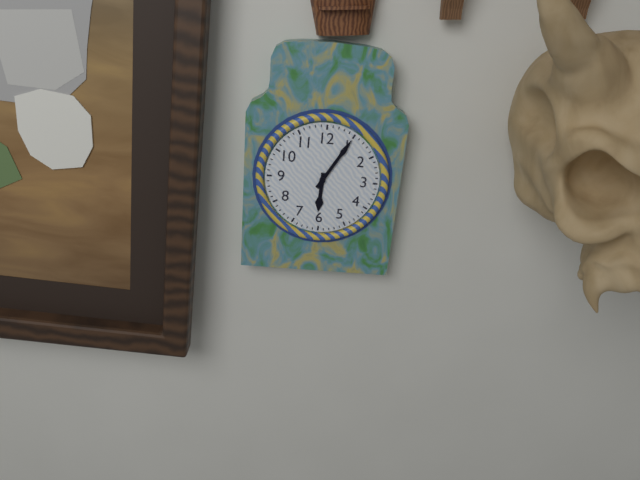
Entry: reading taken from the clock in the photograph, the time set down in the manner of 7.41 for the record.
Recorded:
6.05
